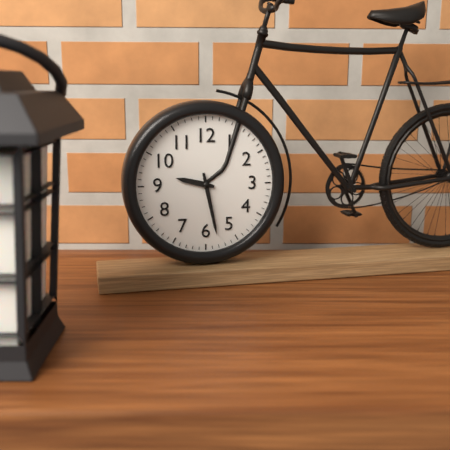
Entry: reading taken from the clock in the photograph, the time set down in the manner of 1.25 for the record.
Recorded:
9.28
